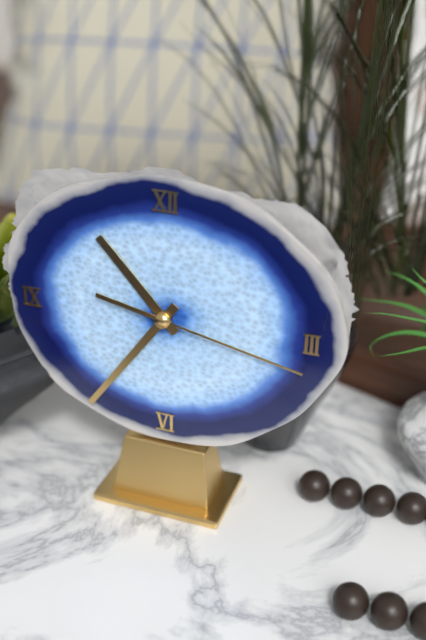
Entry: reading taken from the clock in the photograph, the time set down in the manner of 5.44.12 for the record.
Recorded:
10.36.17
